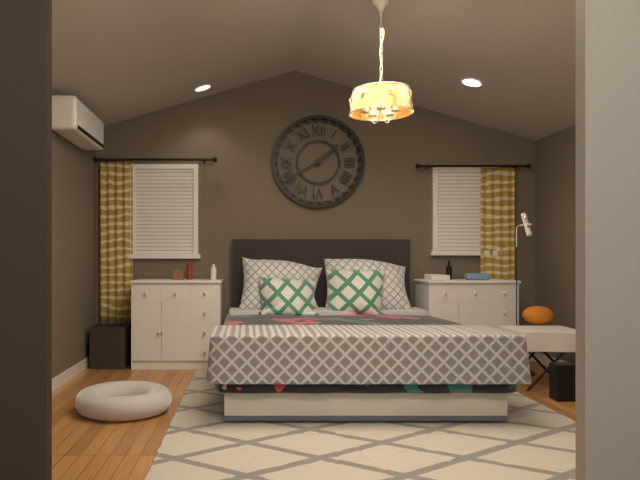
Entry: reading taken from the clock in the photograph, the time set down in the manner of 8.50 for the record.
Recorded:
1.40
